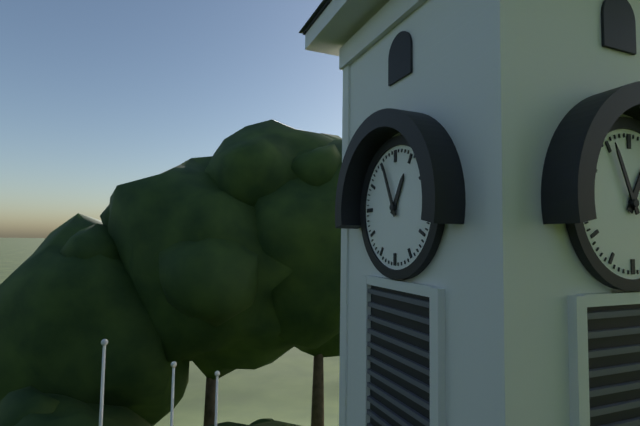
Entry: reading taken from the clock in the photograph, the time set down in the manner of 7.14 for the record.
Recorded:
12.56
